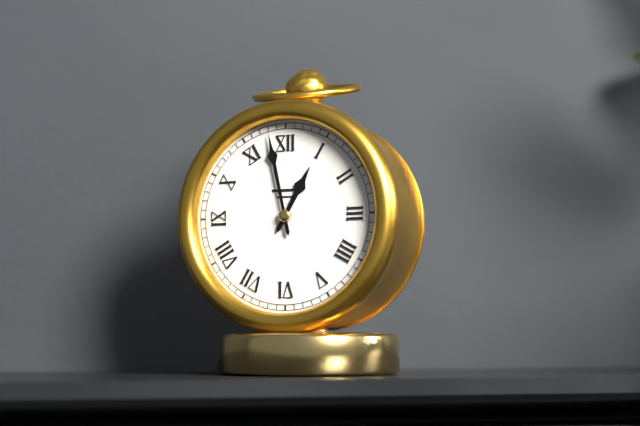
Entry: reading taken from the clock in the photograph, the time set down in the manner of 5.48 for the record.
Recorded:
12.58
